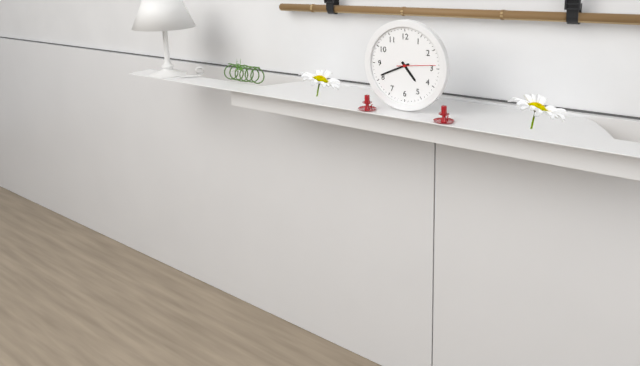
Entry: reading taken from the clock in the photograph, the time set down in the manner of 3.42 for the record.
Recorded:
4.41
